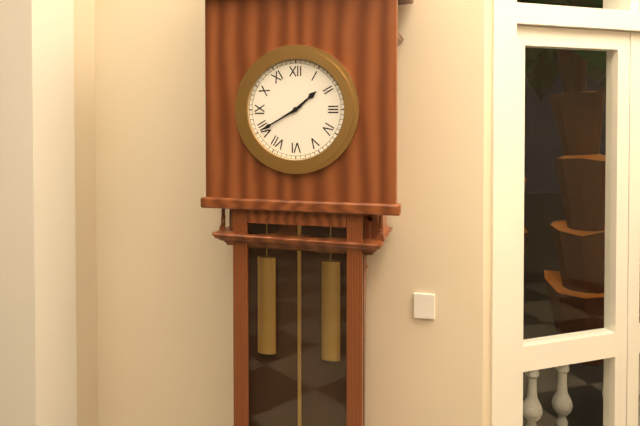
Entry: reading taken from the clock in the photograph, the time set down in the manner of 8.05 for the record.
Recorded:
1.40
